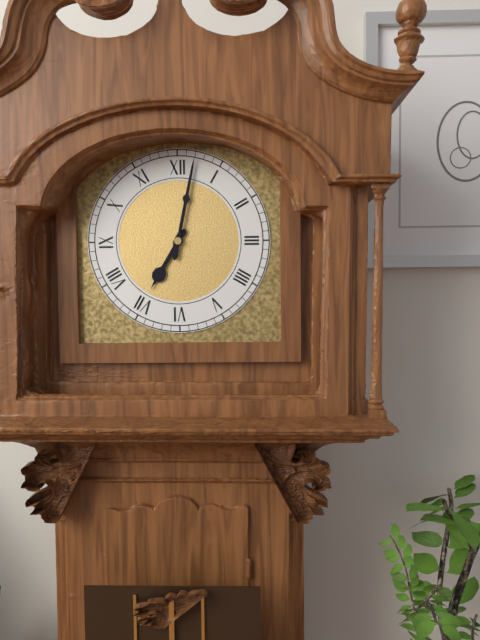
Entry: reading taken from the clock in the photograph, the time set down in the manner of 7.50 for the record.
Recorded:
7.02
